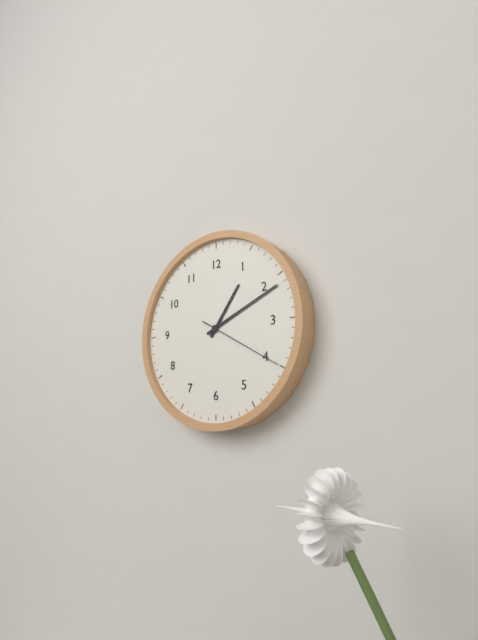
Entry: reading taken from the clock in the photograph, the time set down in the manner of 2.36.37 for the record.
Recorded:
1.11.20
